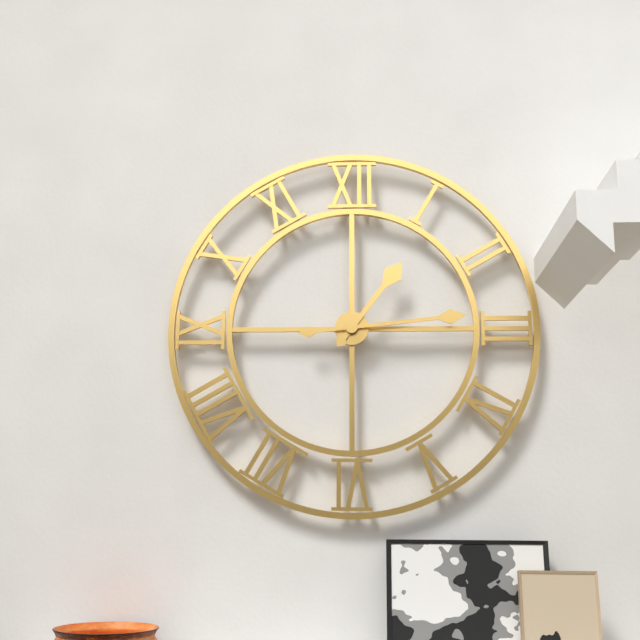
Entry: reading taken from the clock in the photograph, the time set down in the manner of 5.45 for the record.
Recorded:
1.14
